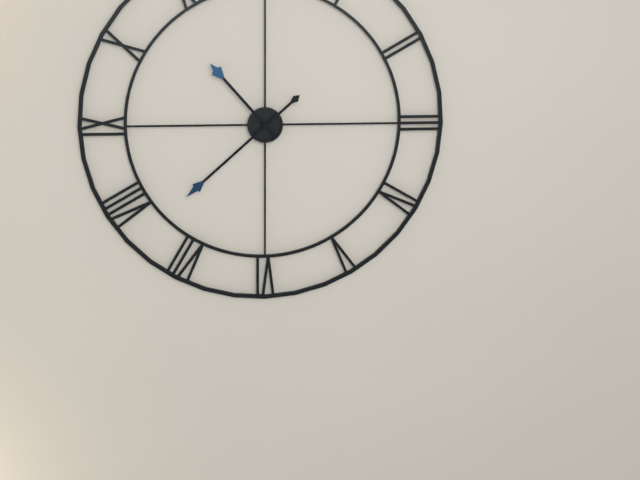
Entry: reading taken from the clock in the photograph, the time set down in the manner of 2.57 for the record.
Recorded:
10.38
